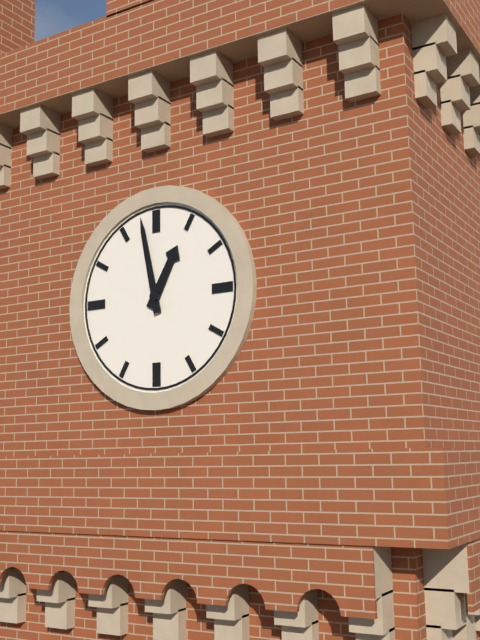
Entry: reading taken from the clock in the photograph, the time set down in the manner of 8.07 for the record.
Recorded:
12.58
